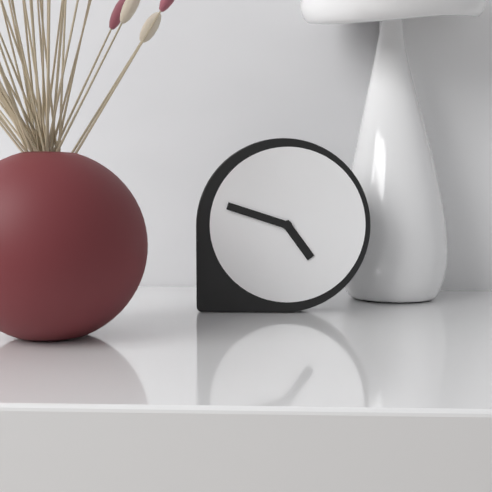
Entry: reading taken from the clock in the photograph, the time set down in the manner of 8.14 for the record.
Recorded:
4.48
